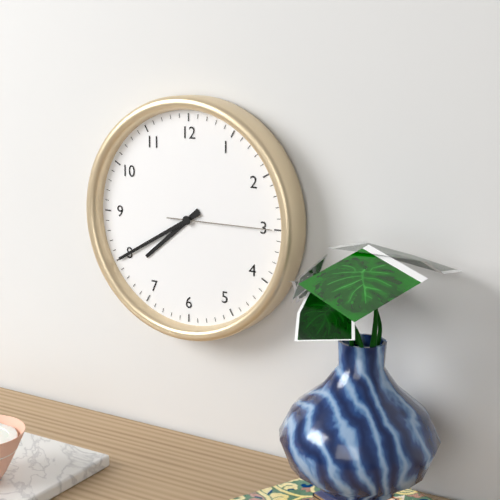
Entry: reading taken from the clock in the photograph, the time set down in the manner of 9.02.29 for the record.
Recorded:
7.40.15
